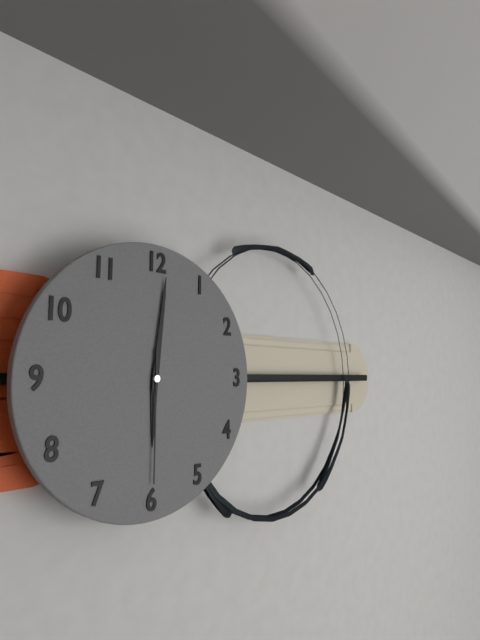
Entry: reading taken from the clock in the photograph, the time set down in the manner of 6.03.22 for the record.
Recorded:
6.01.30
